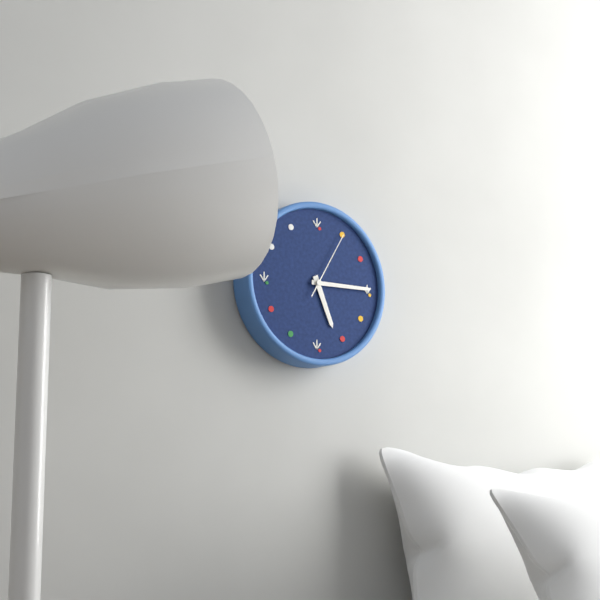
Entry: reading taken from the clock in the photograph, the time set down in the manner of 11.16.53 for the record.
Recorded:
5.15.05
